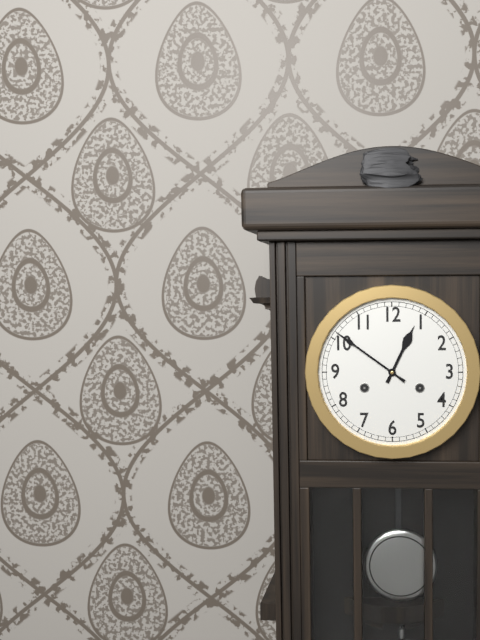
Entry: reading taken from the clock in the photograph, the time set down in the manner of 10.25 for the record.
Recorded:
12.51
